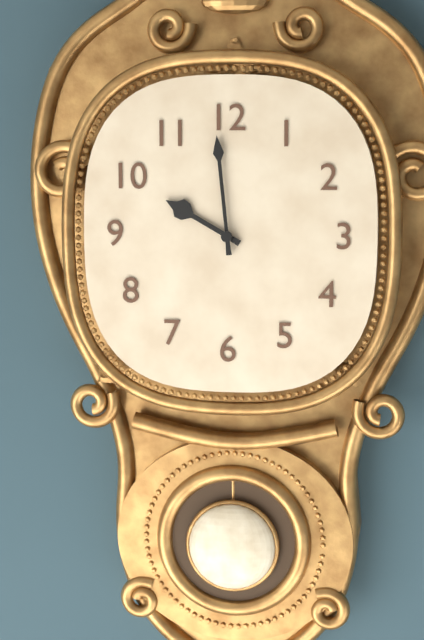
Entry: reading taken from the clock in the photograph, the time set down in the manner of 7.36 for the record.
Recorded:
9.59
